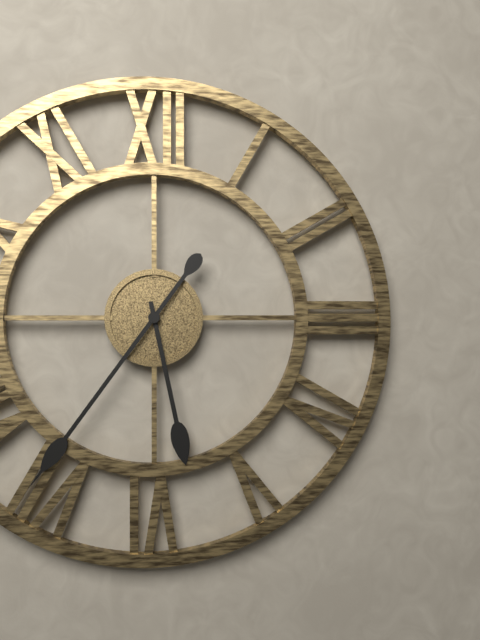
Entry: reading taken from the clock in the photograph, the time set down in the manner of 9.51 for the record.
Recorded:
5.36
